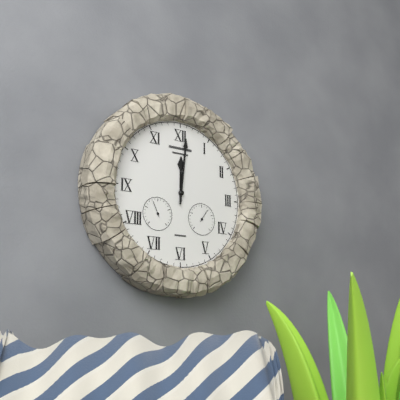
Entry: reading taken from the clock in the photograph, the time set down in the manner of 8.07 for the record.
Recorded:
12.01
